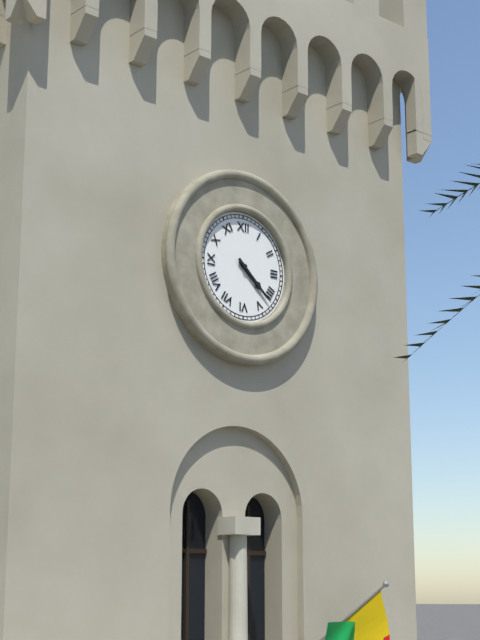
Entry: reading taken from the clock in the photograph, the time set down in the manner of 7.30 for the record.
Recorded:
4.22
